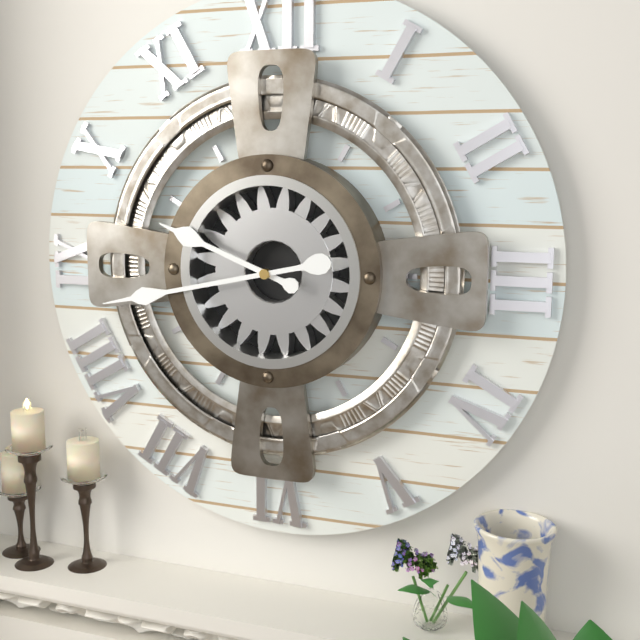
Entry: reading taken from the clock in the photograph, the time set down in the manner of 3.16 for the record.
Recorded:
9.43
